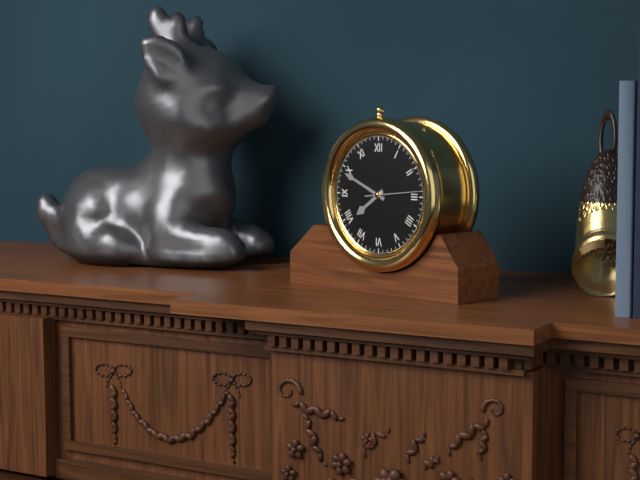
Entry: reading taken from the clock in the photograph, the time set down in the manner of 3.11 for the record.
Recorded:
7.49
